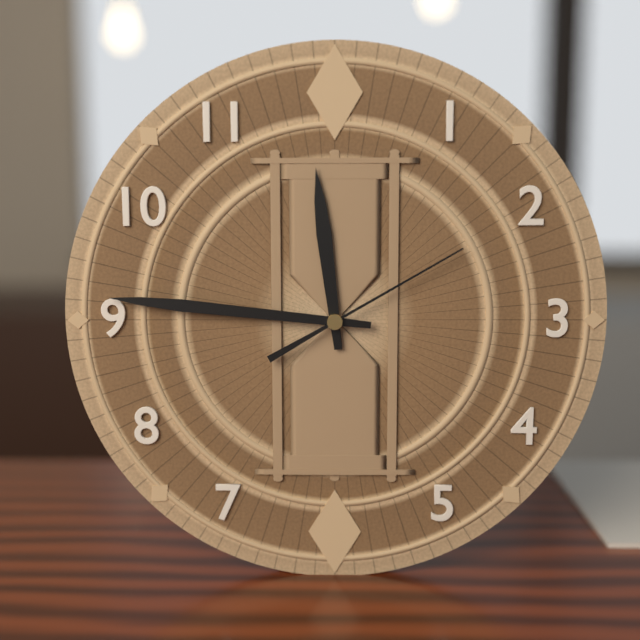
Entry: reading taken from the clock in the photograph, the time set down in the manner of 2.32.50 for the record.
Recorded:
11.46.10
